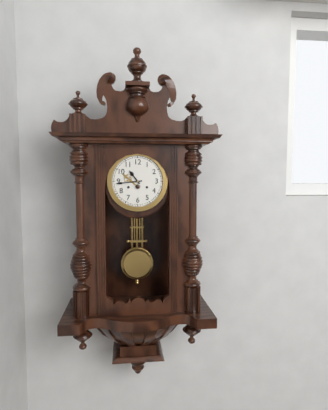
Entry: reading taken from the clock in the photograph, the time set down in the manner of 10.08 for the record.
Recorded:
10.44
